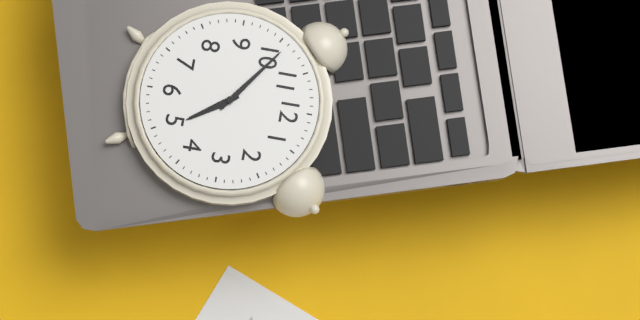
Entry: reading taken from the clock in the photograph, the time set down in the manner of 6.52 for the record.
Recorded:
4.51
